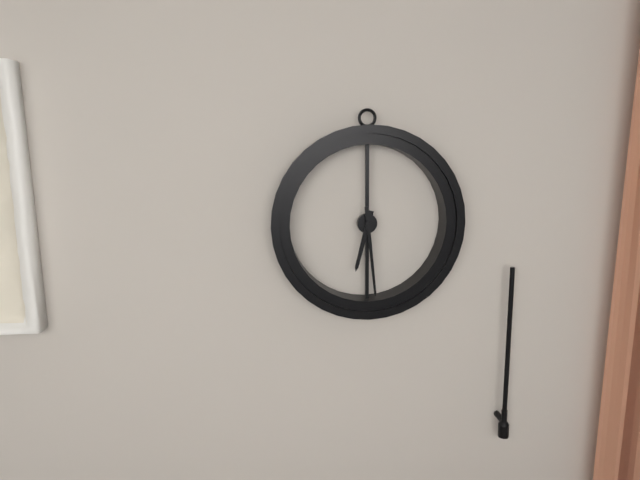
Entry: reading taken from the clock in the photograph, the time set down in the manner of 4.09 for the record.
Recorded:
6.29
